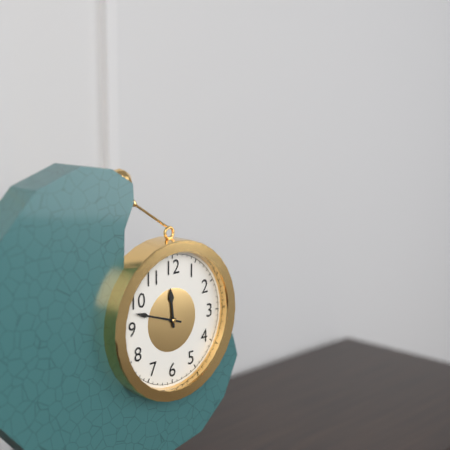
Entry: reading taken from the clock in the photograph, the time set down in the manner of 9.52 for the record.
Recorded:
11.48
